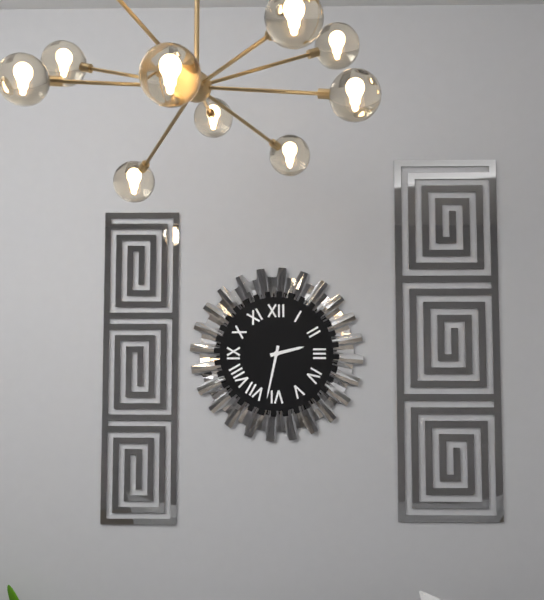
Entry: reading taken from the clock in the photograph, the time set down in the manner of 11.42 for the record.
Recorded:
2.32
